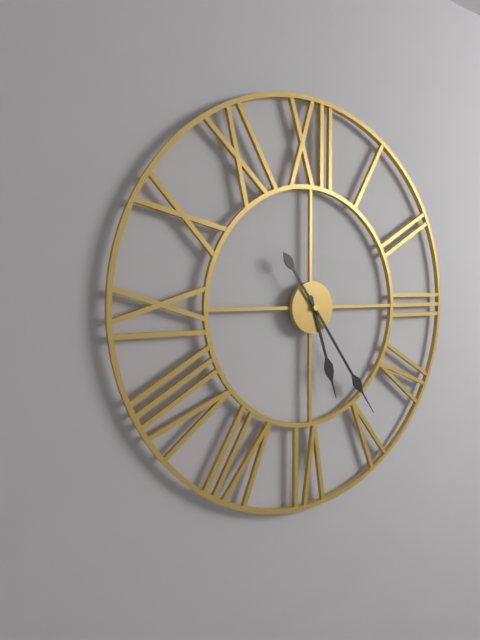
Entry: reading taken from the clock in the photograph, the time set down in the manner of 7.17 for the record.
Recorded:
5.24
